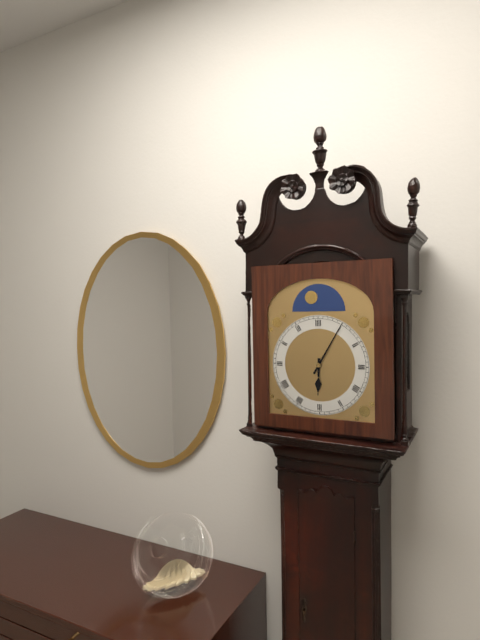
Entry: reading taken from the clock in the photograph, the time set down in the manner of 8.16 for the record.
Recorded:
6.05
